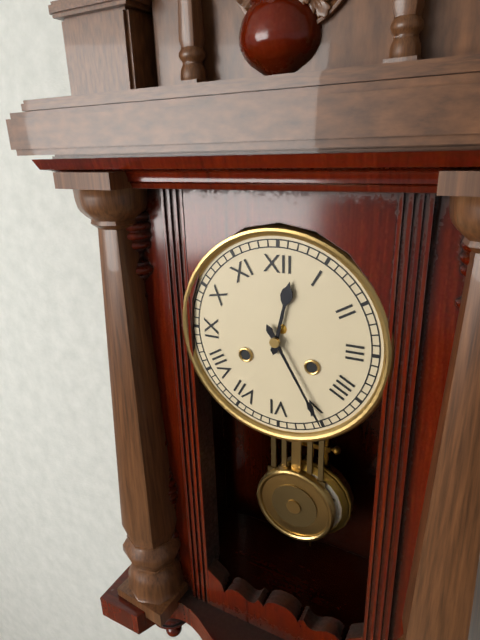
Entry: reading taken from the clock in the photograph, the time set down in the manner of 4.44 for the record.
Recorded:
12.25
